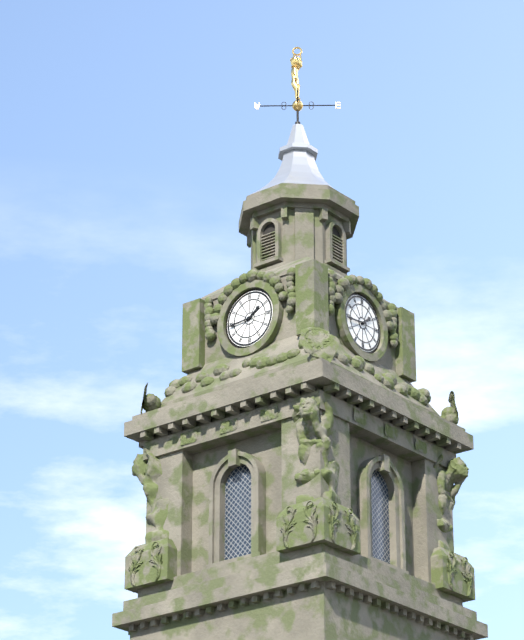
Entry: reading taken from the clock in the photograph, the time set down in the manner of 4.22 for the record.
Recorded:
1.44
